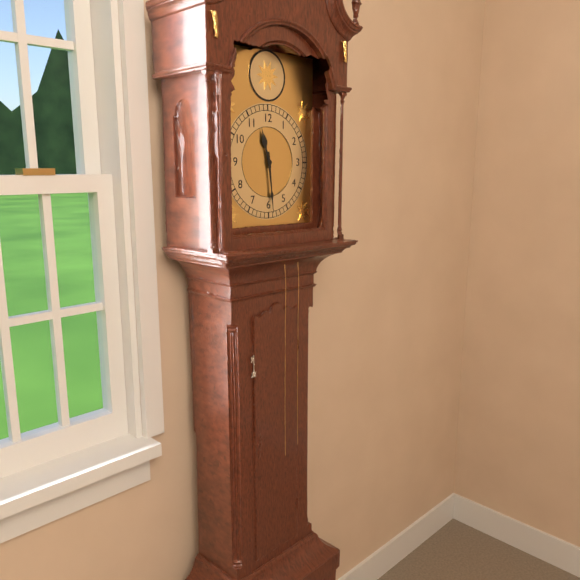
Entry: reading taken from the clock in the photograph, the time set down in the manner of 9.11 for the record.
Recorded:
11.29
